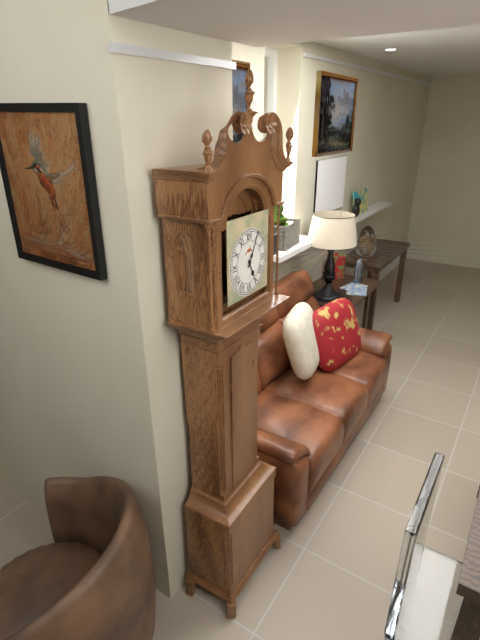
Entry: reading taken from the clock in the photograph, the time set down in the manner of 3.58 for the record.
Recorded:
5.05
